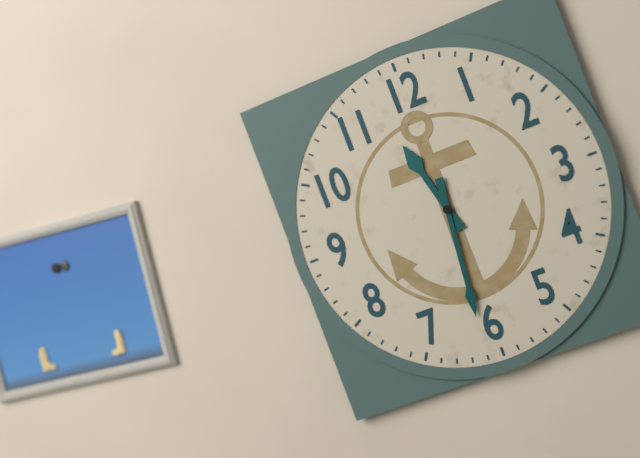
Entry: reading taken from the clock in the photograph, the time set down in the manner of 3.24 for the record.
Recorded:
11.31
